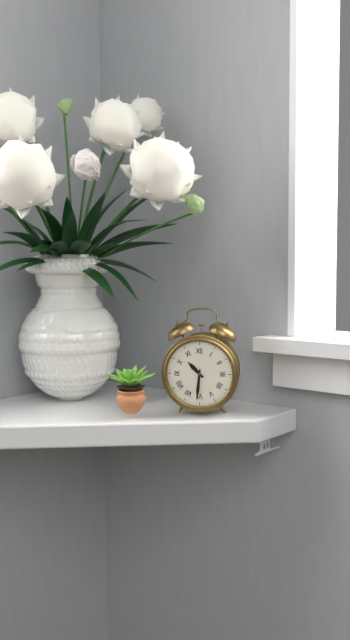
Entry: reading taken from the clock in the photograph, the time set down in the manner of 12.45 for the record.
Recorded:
10.31
